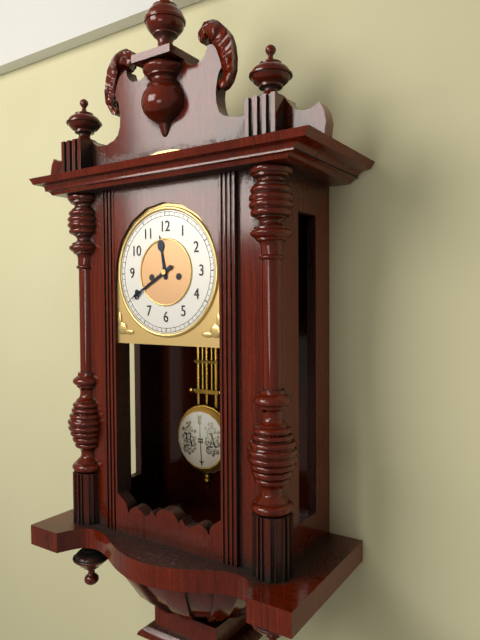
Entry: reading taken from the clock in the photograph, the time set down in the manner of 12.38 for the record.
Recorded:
11.40
